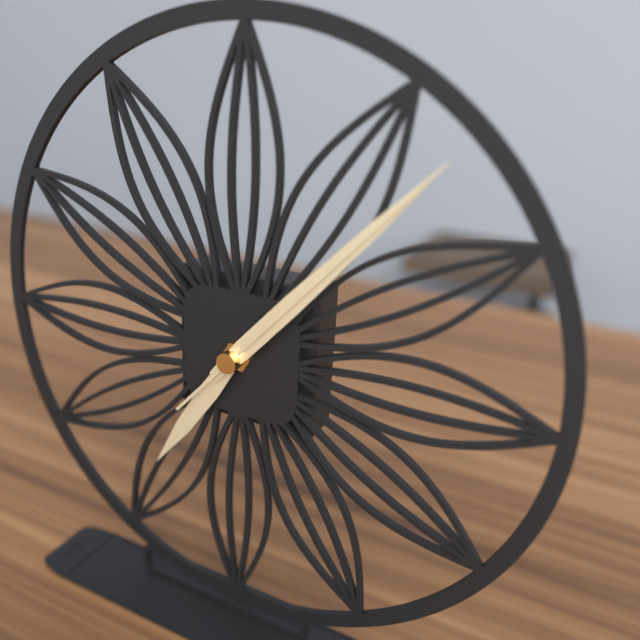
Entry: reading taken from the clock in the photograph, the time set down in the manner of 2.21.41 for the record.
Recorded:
7.07.07
